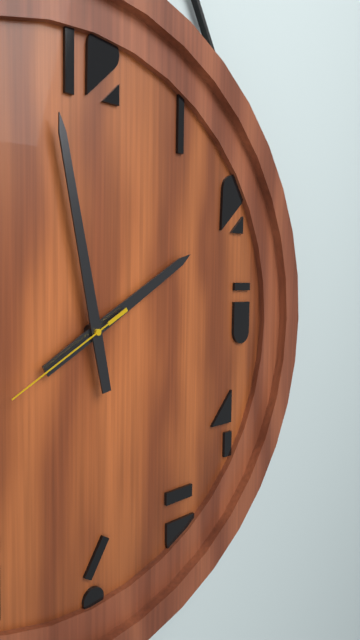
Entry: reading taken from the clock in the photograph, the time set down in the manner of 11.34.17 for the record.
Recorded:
1.58.40
